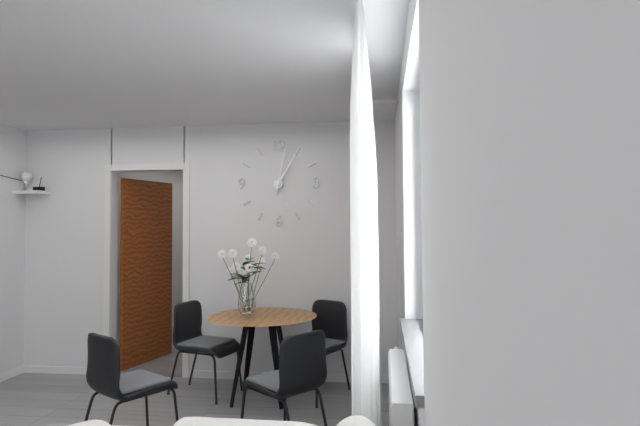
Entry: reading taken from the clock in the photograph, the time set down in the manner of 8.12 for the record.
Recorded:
1.02
